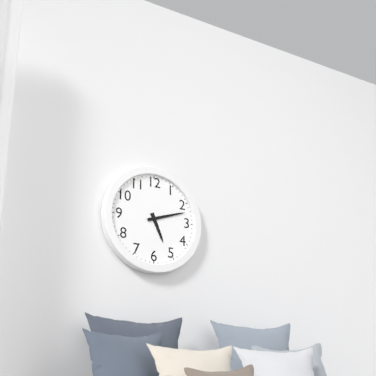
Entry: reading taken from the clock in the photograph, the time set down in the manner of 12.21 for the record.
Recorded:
5.12
